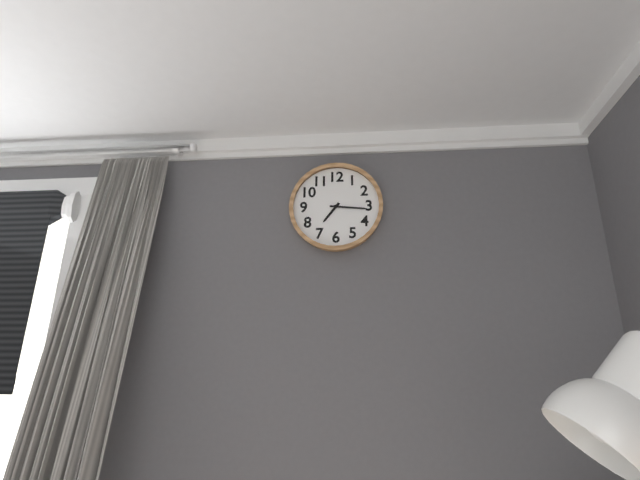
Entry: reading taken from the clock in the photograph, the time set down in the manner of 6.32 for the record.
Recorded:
7.16
